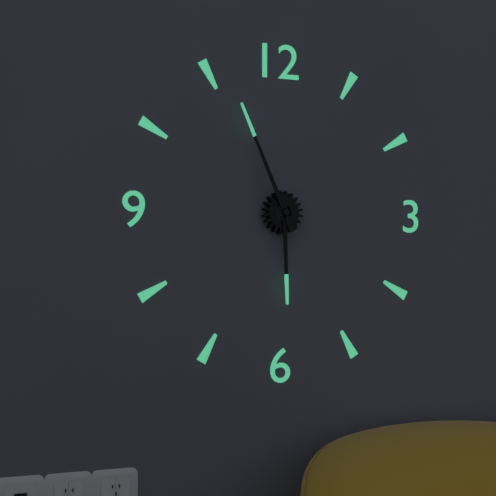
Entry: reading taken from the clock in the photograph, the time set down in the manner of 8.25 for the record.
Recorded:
5.56
